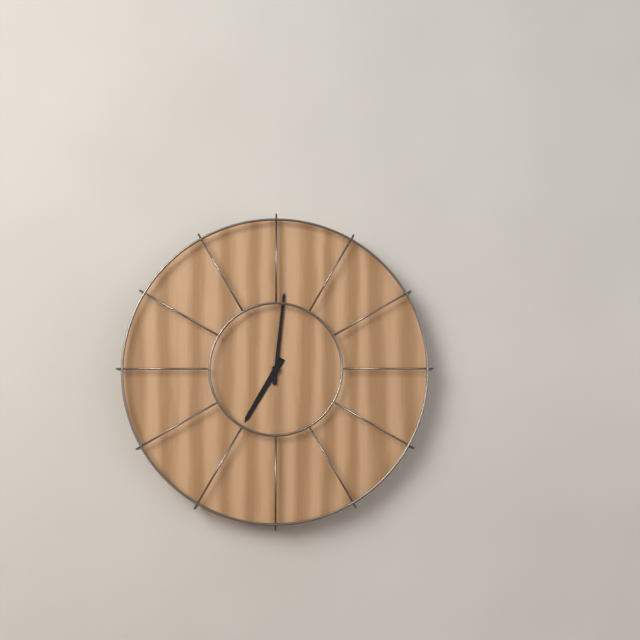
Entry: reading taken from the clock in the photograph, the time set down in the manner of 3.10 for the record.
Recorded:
7.01
